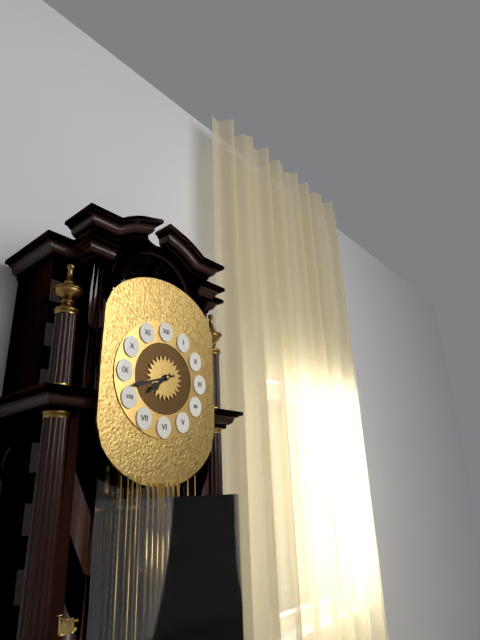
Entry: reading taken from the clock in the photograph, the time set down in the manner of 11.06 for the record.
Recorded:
7.42
